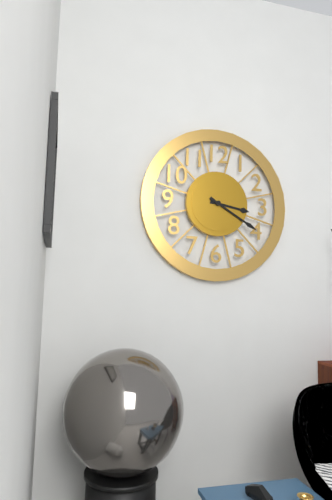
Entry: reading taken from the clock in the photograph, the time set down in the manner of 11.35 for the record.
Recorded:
3.20
